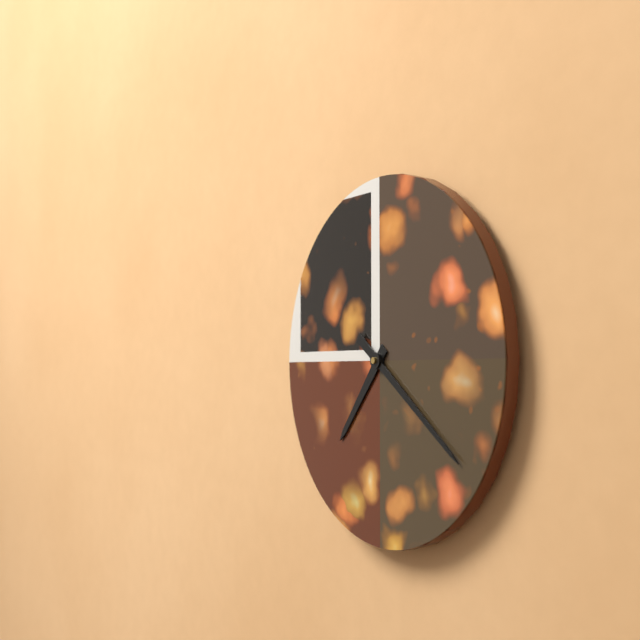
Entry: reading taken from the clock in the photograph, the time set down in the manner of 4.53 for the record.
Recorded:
7.21
